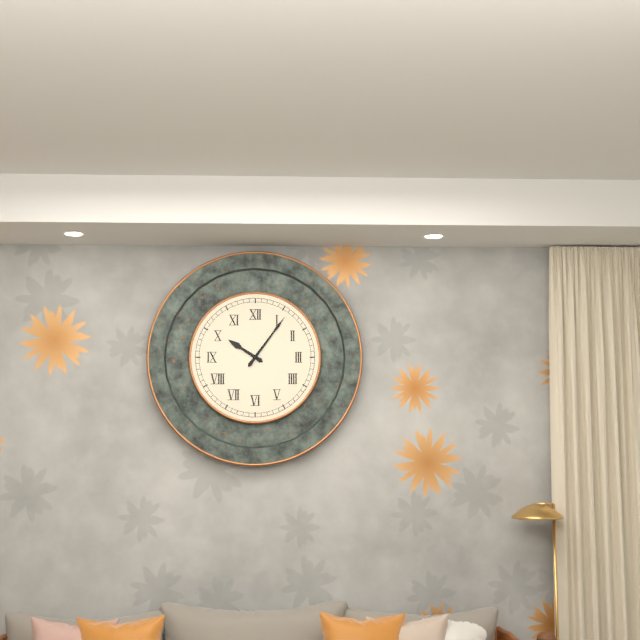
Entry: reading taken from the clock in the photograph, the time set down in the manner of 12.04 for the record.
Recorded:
10.06
